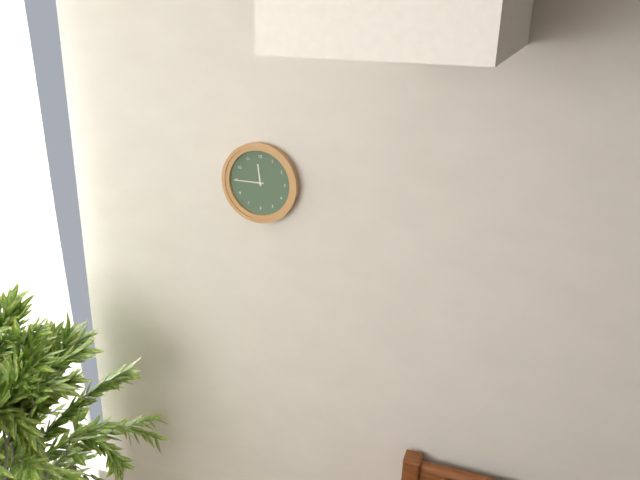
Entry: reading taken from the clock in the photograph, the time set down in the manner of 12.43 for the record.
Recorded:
11.45
